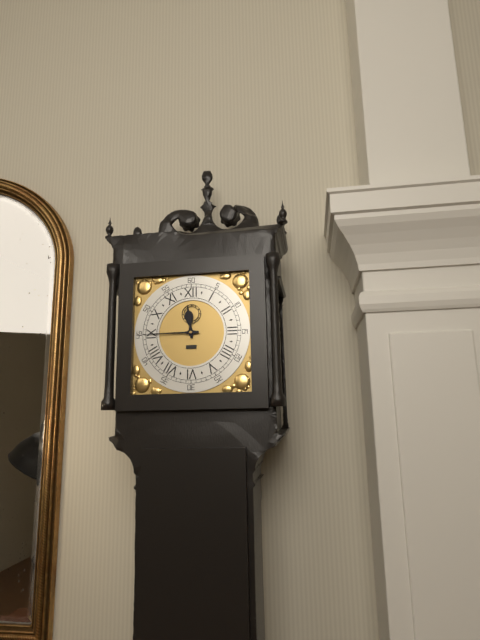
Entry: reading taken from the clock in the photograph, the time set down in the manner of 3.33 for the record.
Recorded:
11.45
